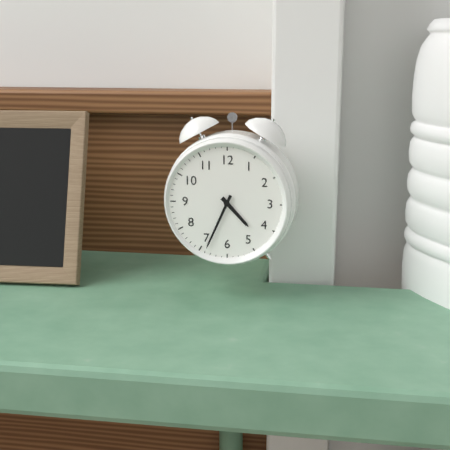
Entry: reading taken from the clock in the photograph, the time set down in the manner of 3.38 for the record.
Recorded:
4.34
